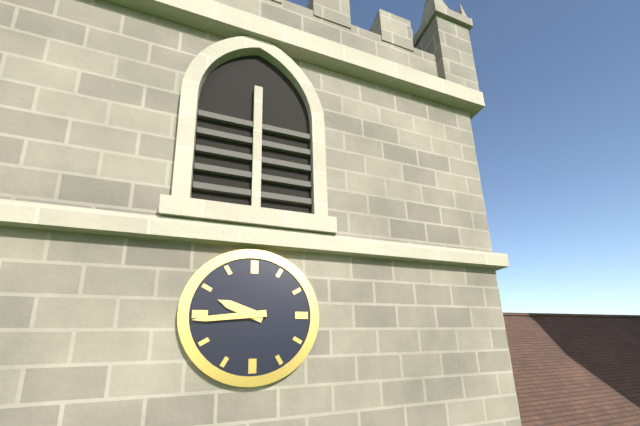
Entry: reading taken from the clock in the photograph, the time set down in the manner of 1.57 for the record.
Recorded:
9.44
